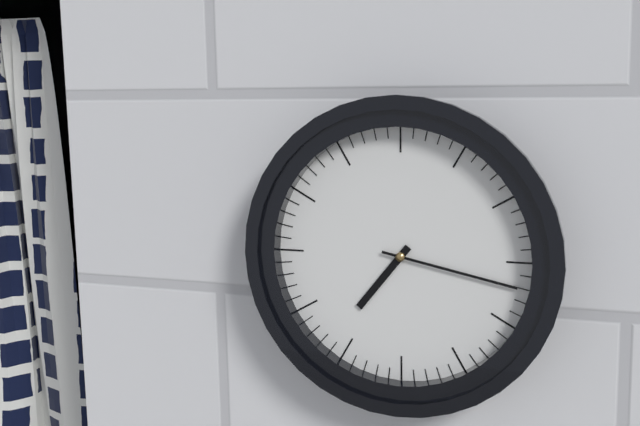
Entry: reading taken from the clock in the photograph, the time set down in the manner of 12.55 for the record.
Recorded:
7.17
